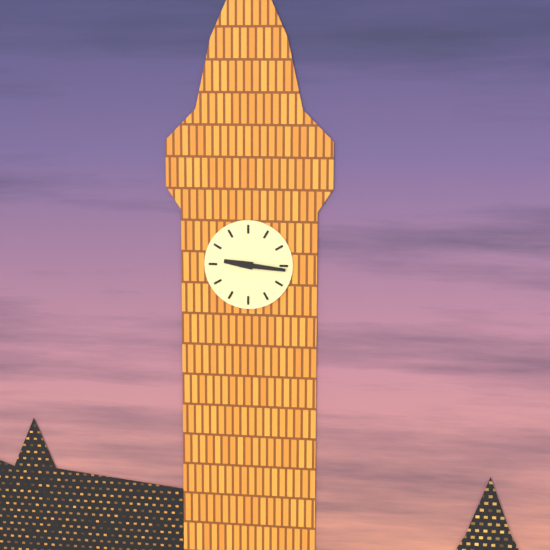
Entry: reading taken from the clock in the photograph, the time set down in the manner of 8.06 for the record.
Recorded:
9.16
